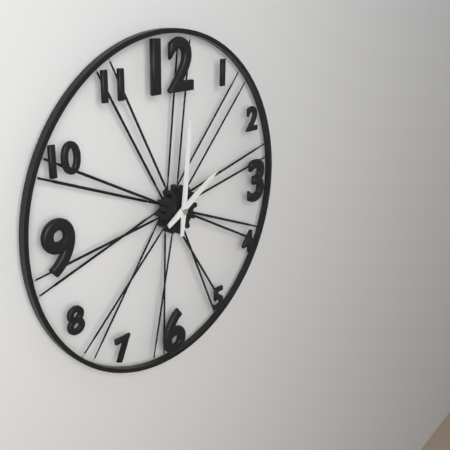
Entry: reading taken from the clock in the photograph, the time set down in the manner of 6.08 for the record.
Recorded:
2.01
